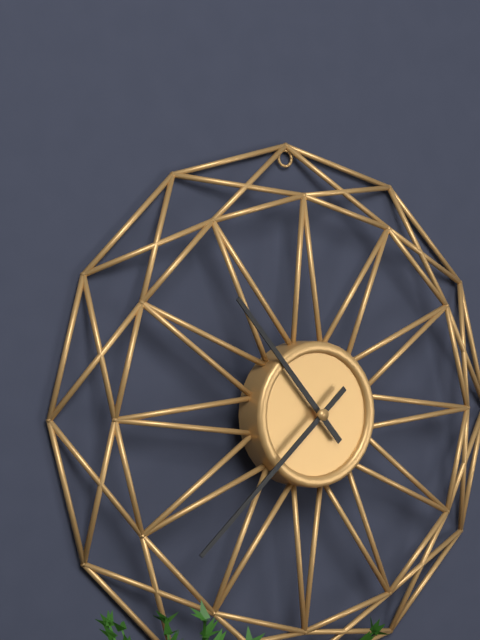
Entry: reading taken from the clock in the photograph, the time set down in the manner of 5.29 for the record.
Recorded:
10.38
